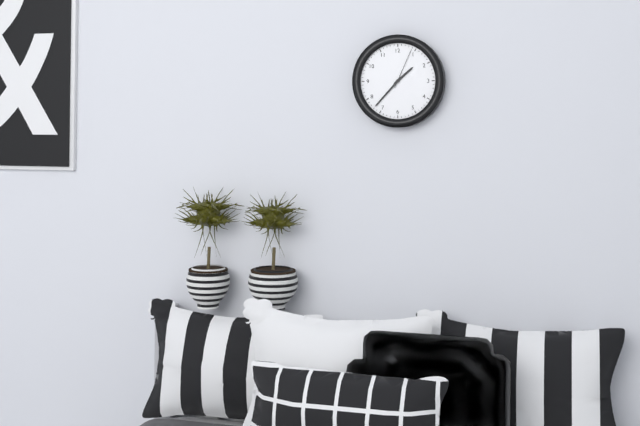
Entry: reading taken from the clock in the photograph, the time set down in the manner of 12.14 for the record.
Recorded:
1.37
